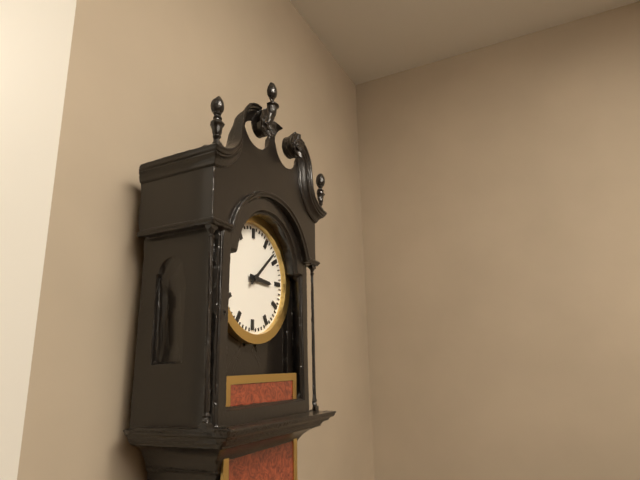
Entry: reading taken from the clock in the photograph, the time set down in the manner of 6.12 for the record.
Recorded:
3.08
